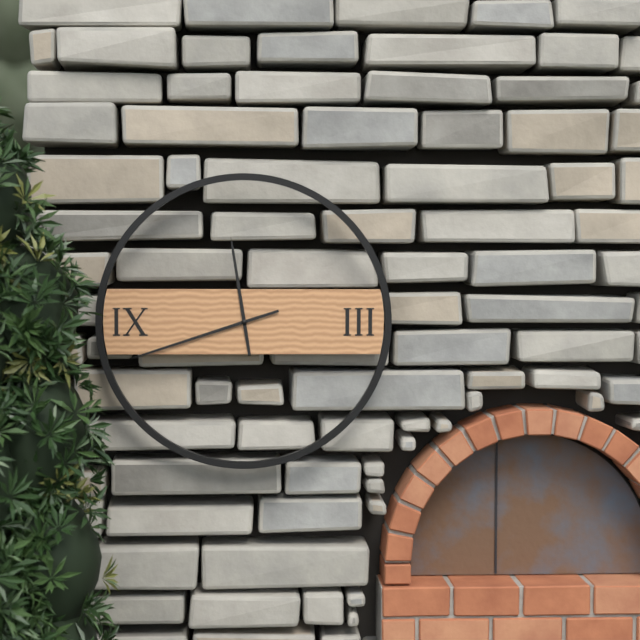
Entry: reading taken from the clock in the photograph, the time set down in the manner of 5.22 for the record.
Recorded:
11.42
